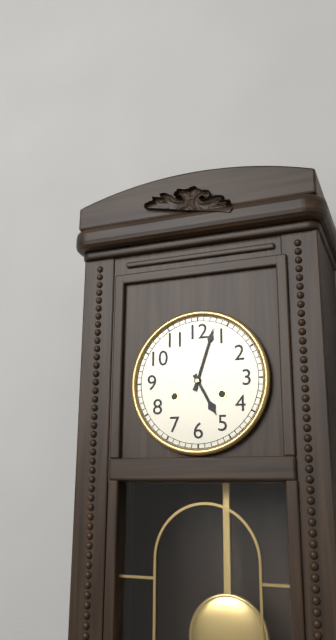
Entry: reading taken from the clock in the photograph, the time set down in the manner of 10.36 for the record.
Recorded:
5.03
